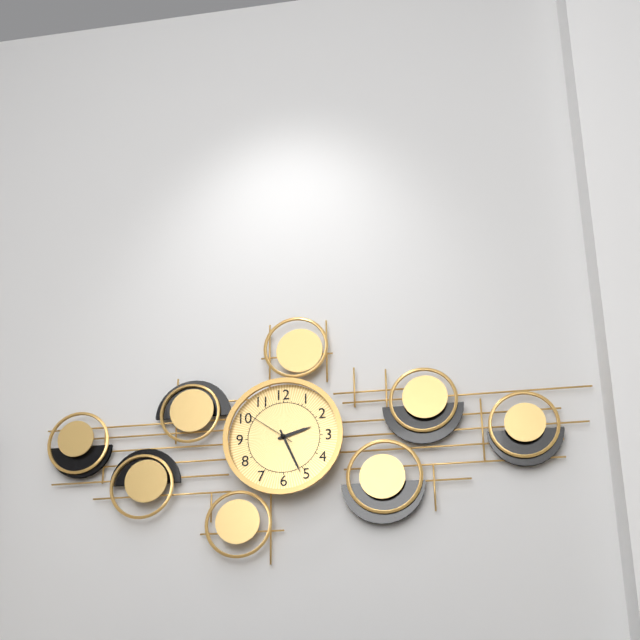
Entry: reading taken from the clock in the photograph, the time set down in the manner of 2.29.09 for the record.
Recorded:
2.26.51
